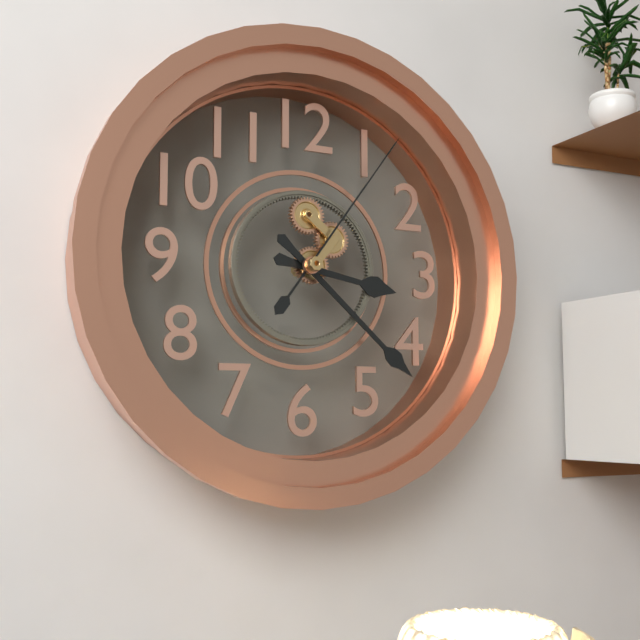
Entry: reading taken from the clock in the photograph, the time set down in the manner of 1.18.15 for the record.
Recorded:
3.22.06
